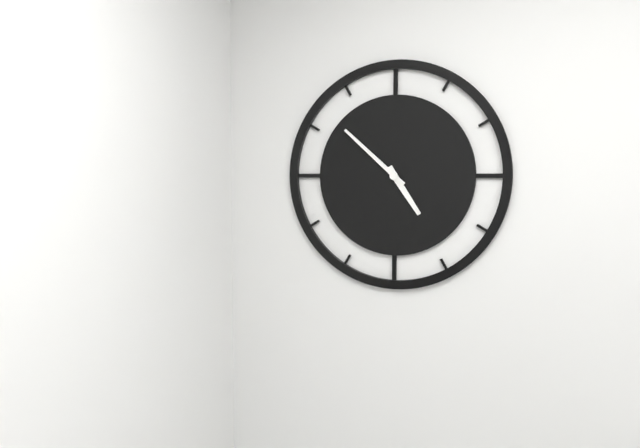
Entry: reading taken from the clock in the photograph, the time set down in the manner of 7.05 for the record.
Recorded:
4.52
